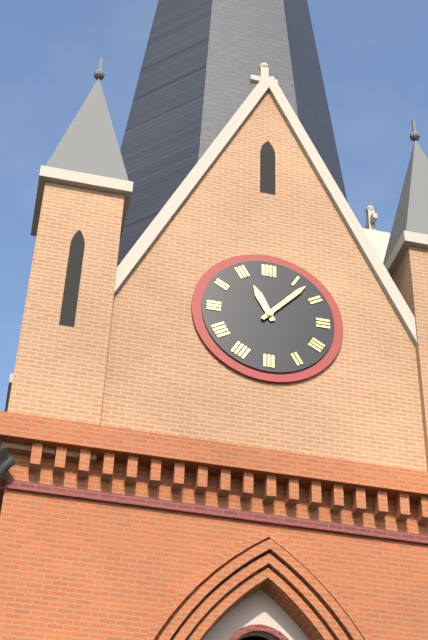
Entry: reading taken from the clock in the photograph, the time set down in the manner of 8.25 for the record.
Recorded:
11.07
